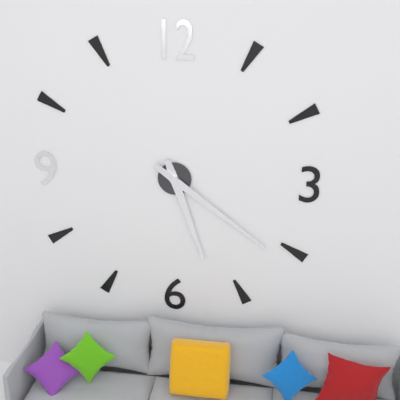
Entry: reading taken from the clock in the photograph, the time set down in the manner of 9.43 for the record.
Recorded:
5.21
